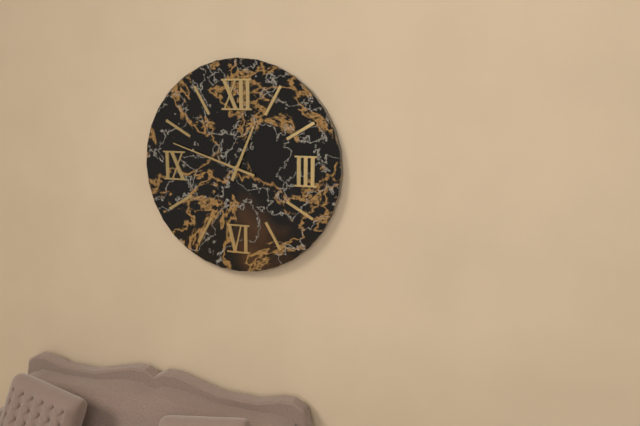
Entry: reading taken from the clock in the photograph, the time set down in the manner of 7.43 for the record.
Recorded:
12.48
